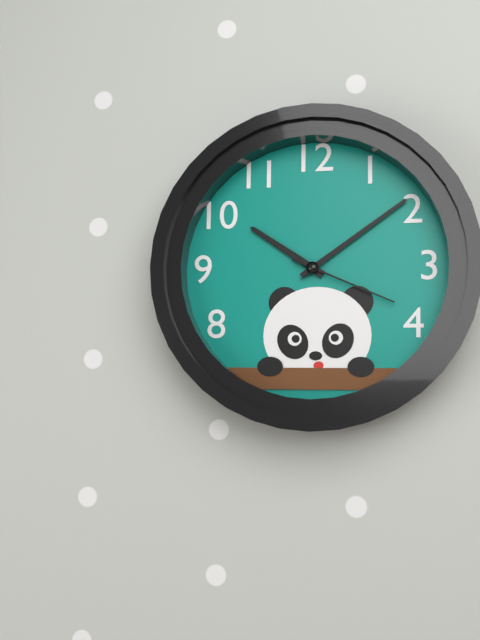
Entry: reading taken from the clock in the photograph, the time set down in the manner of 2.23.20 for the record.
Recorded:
10.09.19
